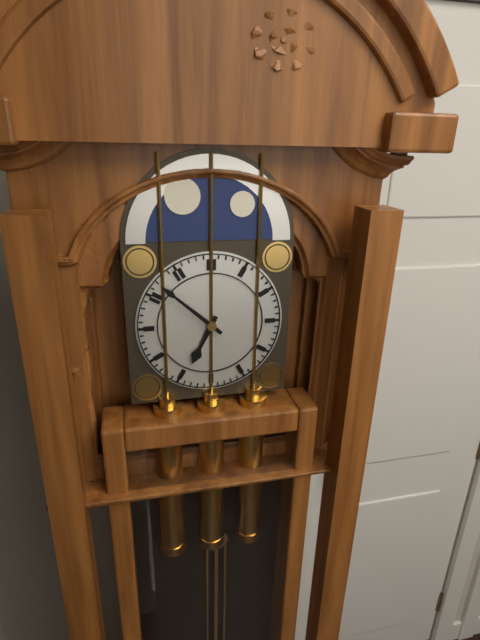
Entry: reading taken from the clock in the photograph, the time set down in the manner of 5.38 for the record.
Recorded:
6.52
